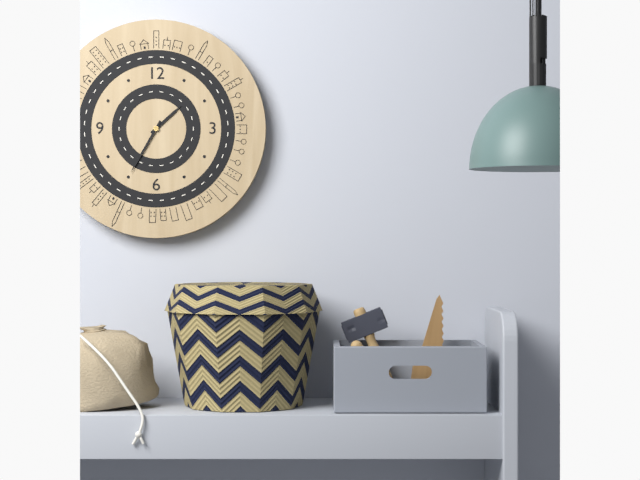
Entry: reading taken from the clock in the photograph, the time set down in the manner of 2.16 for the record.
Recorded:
1.35
